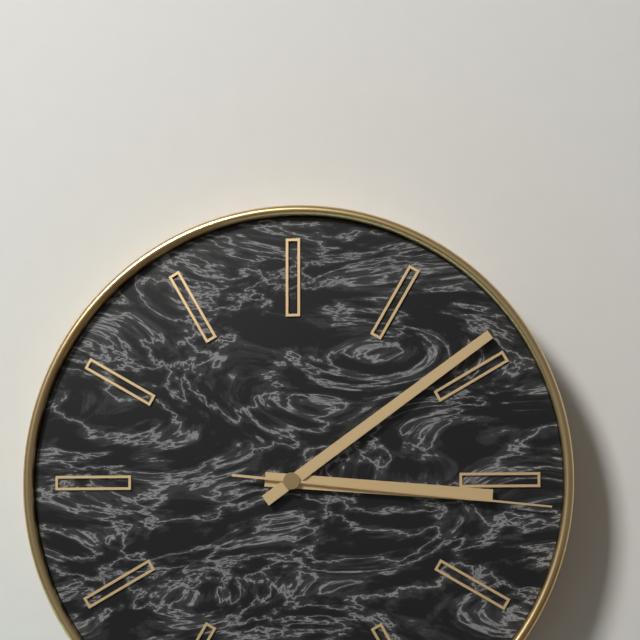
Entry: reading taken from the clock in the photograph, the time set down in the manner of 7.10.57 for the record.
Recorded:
3.09.16
